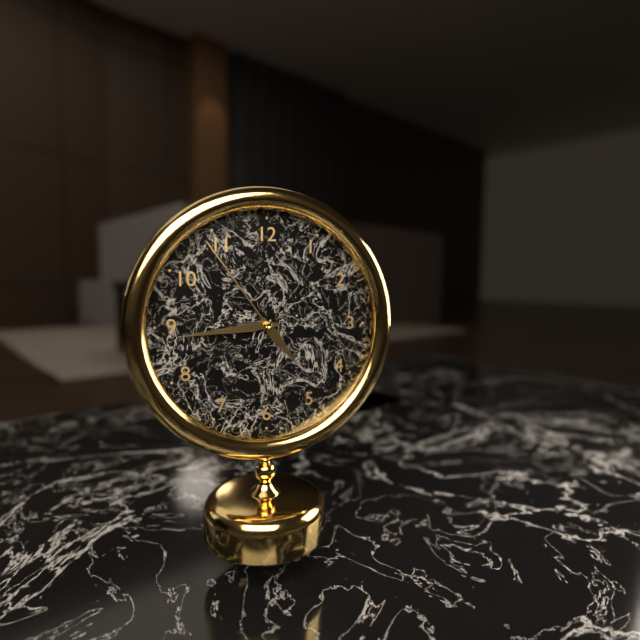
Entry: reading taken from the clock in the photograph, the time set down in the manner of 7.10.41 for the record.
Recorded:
4.44.54
